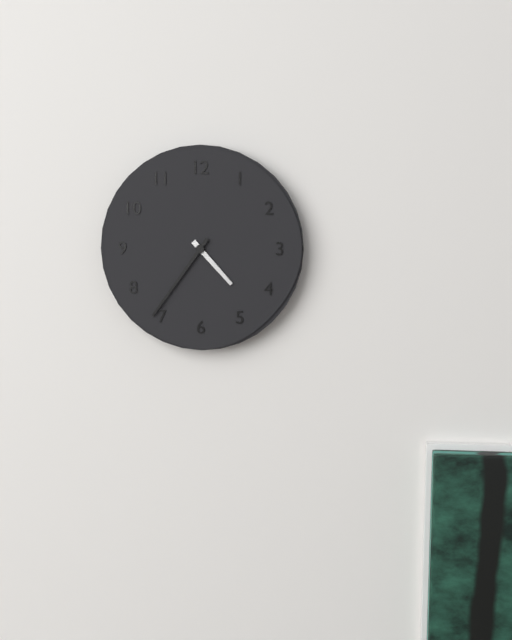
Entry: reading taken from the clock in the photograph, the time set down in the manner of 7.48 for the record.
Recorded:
4.36
